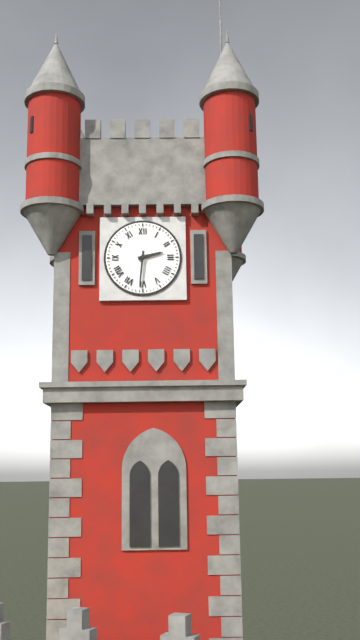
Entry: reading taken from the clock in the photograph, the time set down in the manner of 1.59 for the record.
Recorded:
2.31
